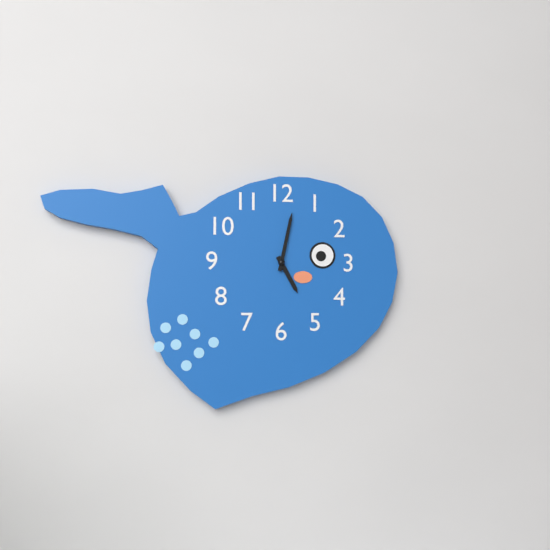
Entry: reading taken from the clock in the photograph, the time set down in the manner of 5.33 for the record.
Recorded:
5.02
